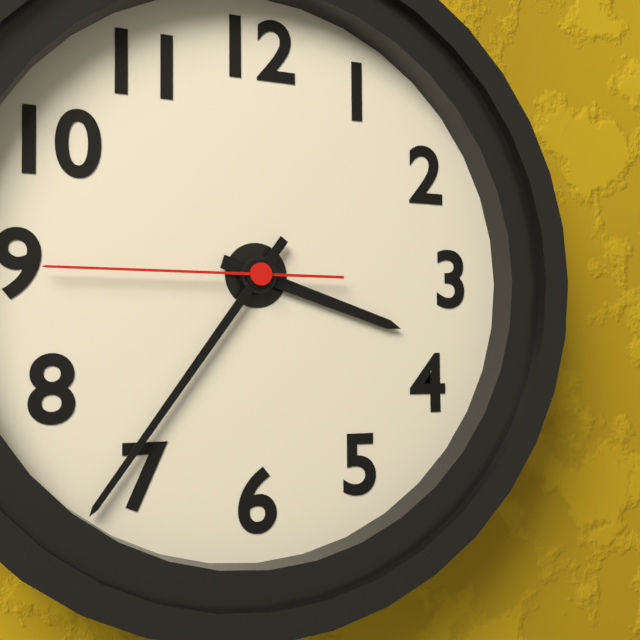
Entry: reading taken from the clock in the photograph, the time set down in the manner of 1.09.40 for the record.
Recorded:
3.36.45
